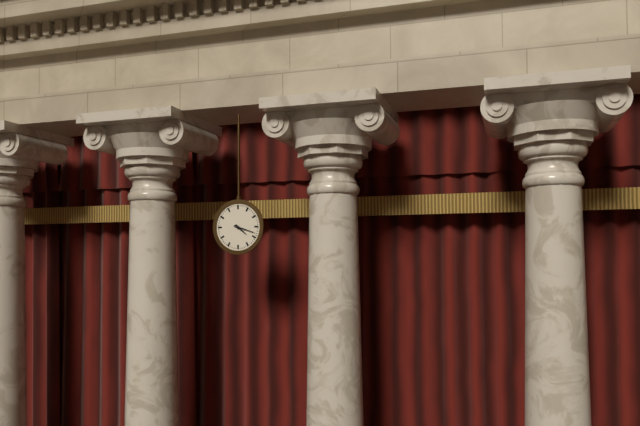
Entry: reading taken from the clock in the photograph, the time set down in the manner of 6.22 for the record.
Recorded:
4.18
